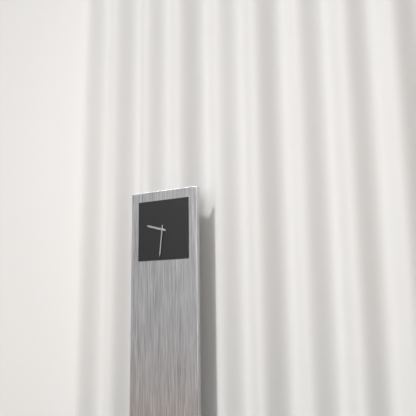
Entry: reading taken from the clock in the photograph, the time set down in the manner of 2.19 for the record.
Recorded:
9.31
